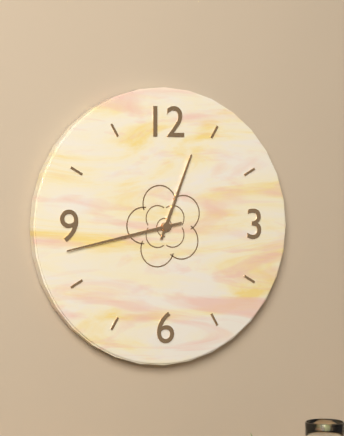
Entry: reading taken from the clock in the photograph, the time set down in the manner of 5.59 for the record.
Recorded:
12.43
